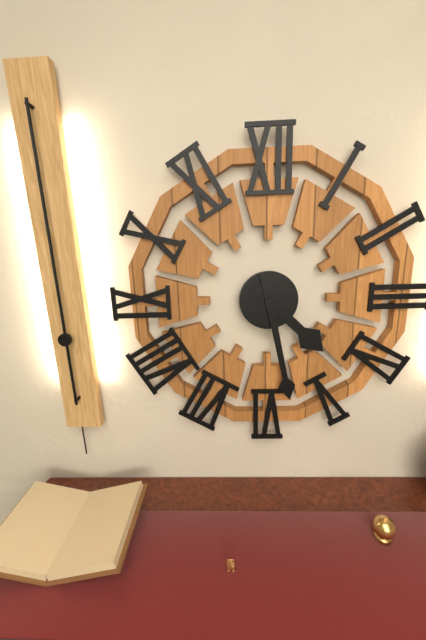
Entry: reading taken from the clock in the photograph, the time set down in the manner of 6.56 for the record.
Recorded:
4.28
